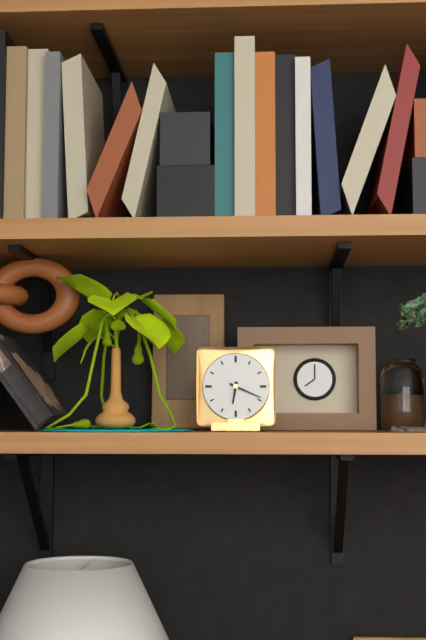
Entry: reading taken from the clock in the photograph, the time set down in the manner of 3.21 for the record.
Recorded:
6.19
